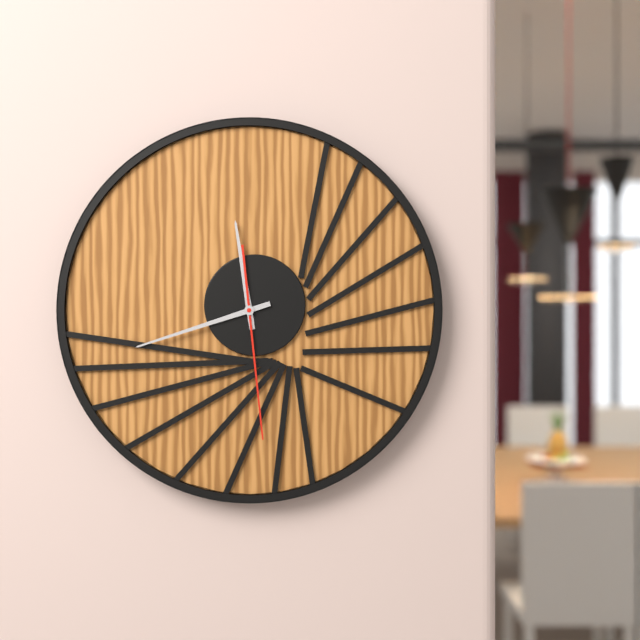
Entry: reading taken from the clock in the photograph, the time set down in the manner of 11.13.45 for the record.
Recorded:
11.42.29
